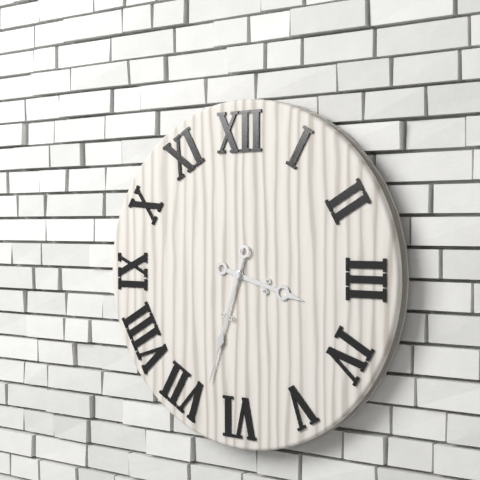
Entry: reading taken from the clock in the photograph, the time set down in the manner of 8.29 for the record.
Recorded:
3.33
